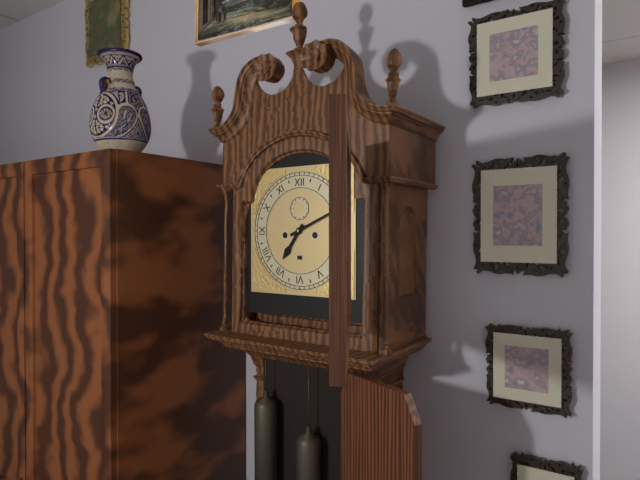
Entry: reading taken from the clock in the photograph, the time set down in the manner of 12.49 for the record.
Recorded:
7.11
